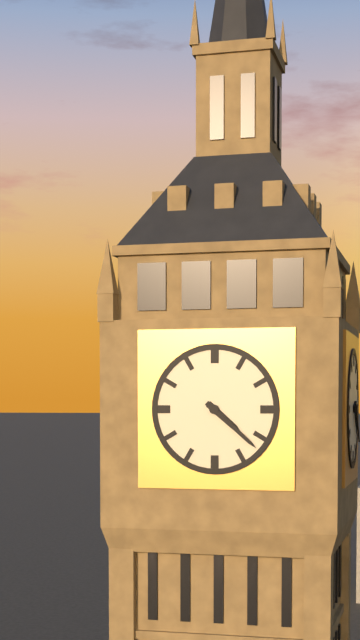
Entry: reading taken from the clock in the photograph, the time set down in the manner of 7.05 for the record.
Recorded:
4.22
